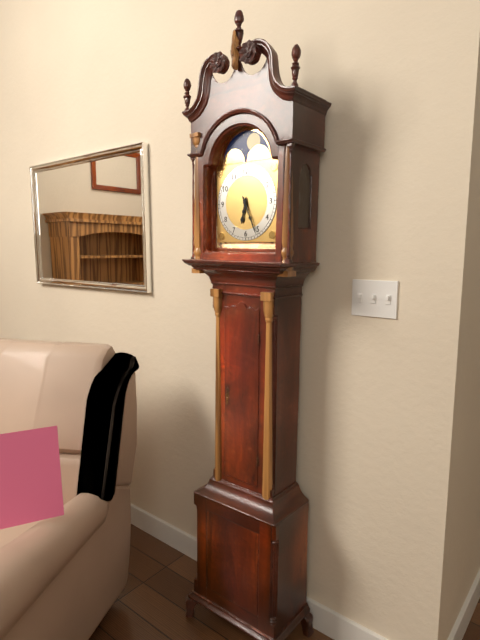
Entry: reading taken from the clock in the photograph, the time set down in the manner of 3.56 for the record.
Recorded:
6.26
